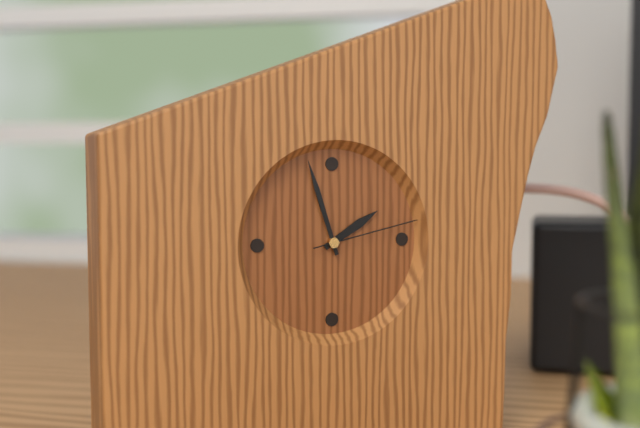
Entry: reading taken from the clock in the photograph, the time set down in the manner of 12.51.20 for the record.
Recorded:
1.57.13
